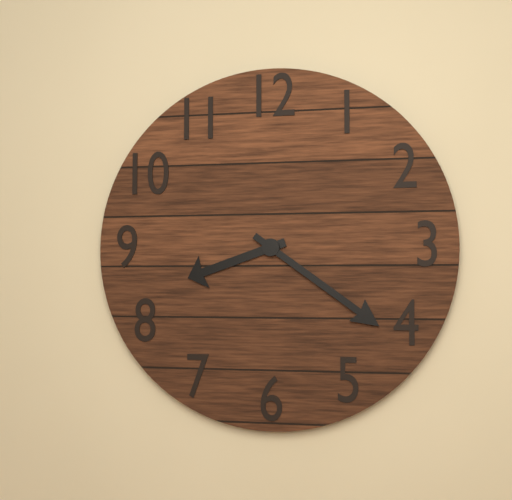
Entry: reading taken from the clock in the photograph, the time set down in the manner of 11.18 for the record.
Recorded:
8.21
